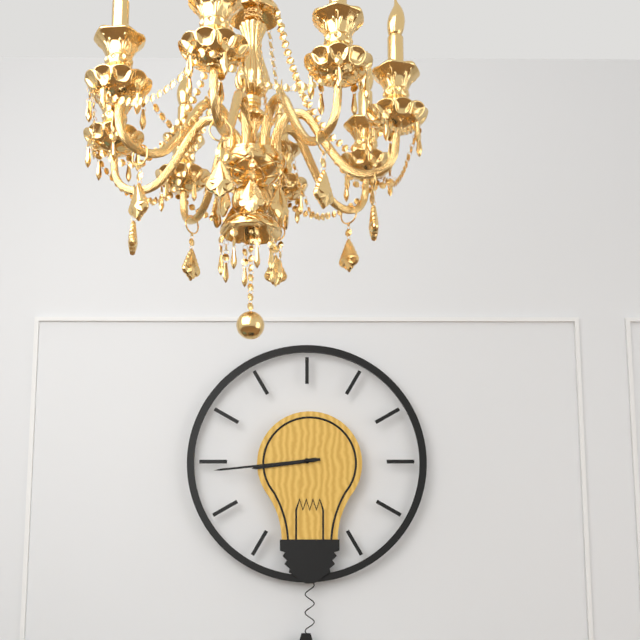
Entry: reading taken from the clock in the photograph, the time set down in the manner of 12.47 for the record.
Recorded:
8.44
